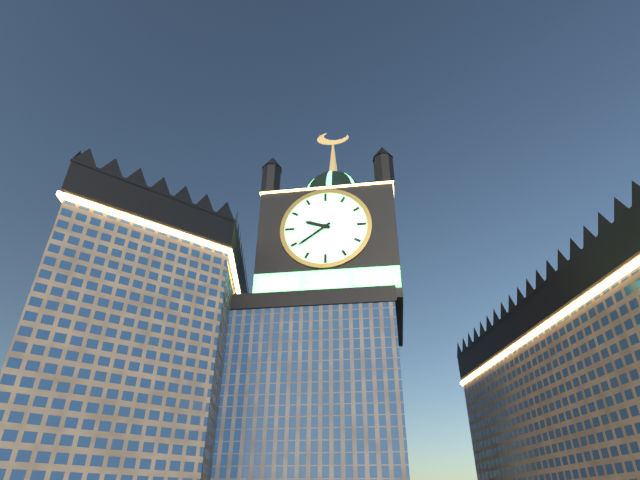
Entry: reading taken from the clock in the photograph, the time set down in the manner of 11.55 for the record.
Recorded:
9.39
